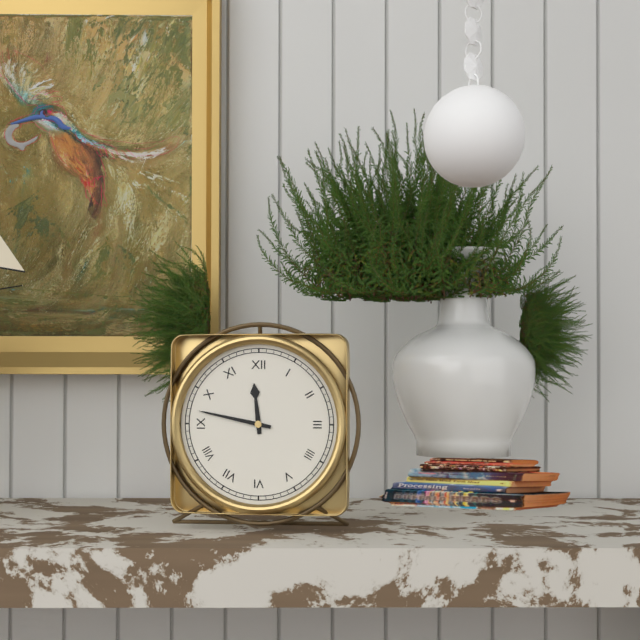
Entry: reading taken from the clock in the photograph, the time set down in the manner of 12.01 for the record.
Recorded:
11.47
